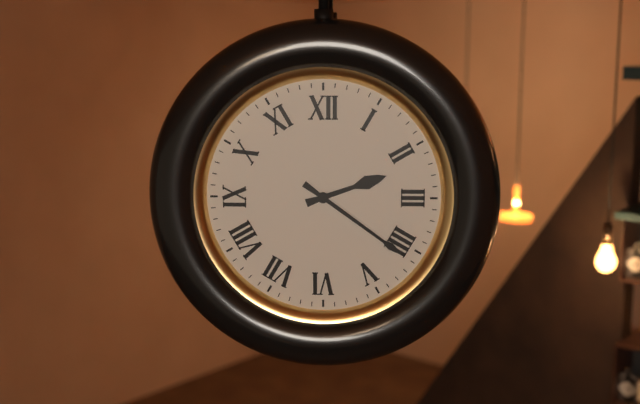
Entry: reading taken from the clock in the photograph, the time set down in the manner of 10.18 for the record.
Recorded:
2.21
